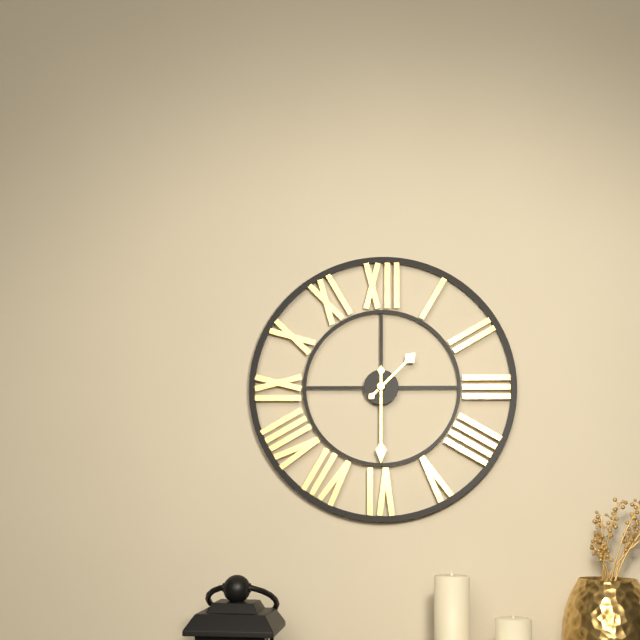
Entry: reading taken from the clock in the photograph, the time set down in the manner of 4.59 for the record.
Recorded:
1.30
